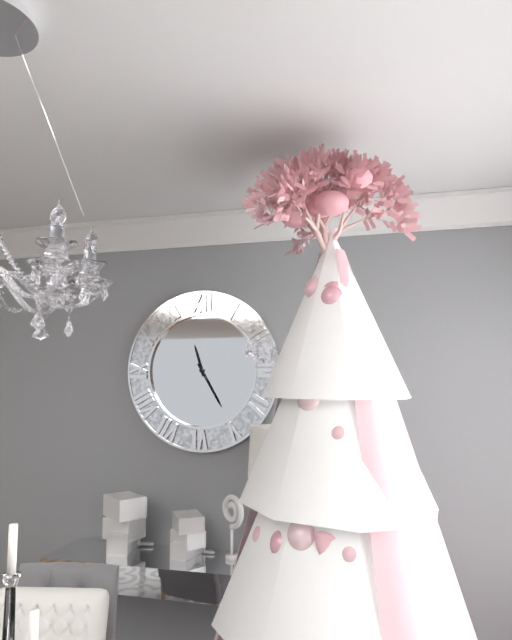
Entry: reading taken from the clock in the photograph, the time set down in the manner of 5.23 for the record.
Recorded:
11.25
